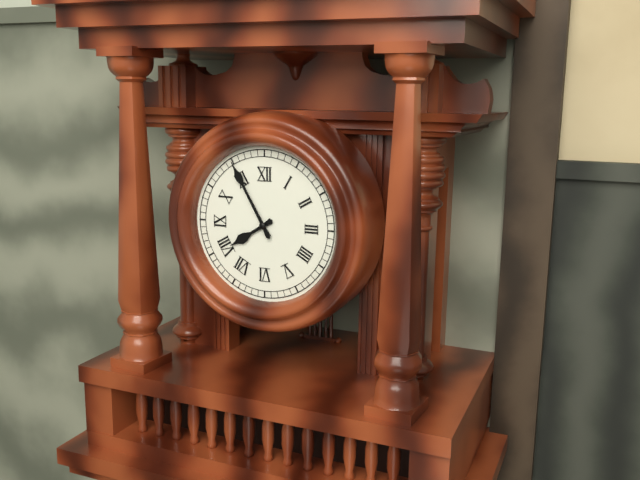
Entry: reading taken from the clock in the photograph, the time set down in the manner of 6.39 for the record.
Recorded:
7.55
